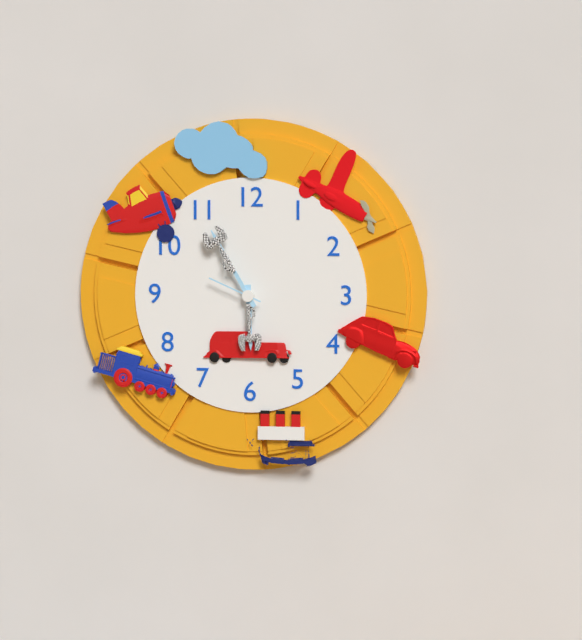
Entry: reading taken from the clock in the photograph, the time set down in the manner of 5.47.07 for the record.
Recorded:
5.55.49
